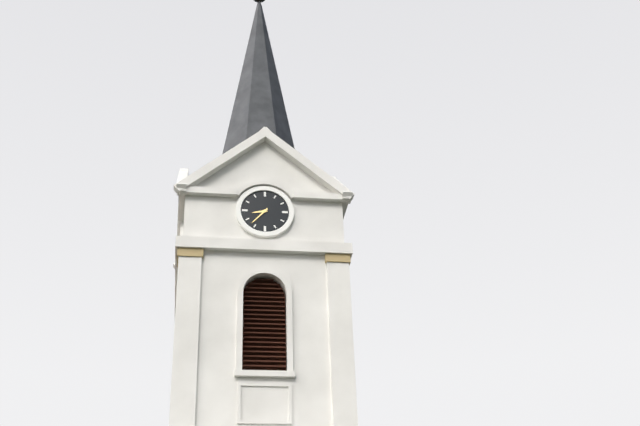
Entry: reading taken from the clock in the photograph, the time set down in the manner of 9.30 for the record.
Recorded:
8.37
